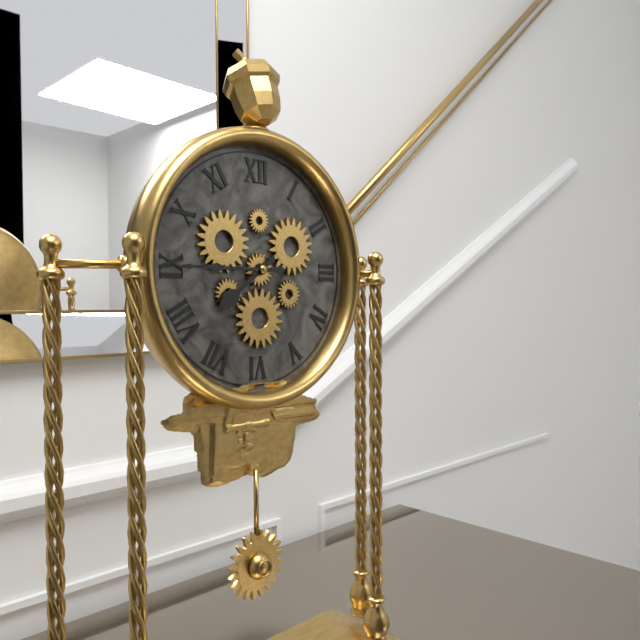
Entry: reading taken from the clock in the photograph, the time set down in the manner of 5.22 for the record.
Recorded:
7.45
